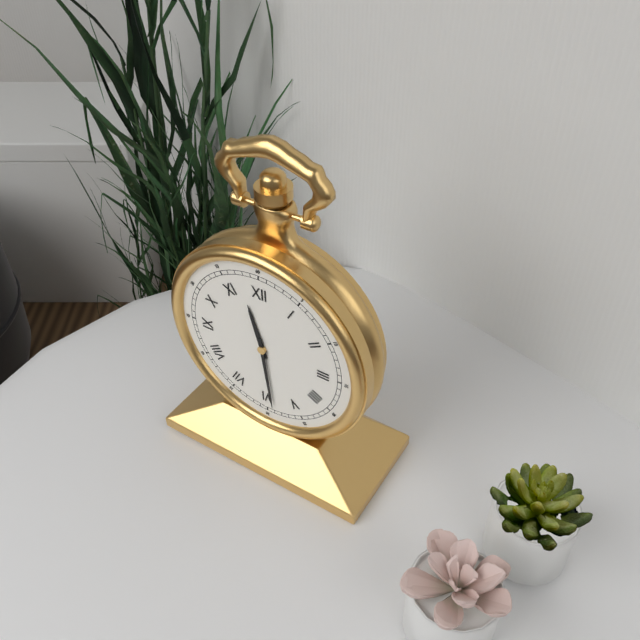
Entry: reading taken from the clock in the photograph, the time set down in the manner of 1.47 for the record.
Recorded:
11.29
